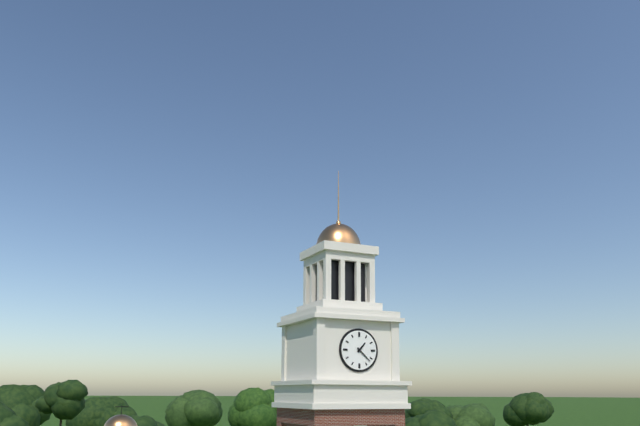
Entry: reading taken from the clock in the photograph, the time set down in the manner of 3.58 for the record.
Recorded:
1.22
